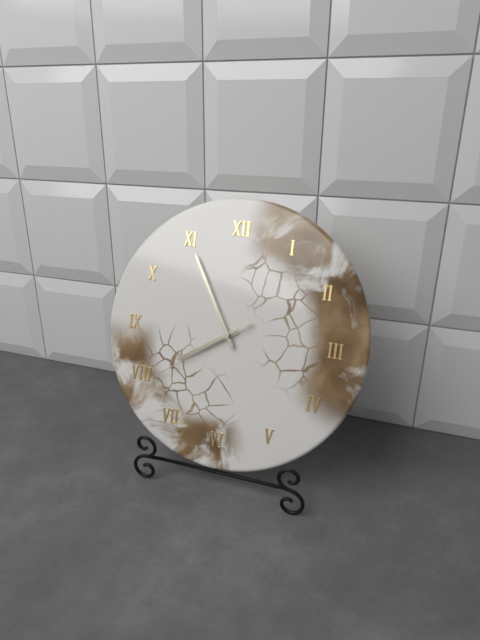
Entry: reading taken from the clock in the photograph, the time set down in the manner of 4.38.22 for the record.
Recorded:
7.55.39
